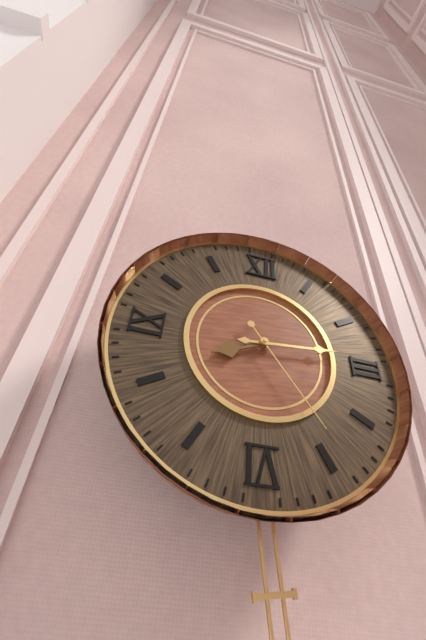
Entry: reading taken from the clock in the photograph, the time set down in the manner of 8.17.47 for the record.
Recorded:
8.14.24
